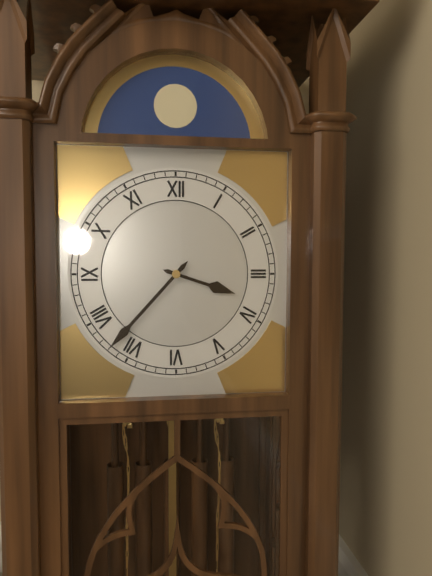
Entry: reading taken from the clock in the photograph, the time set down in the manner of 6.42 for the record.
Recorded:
3.37
